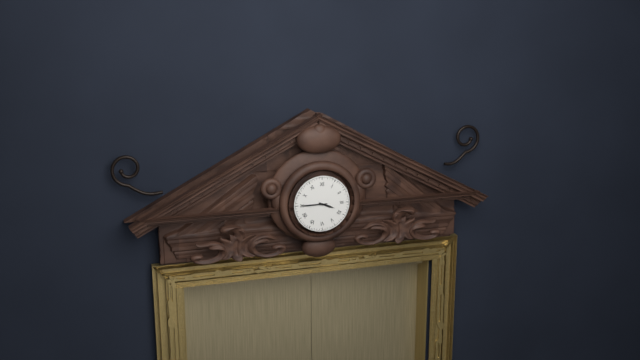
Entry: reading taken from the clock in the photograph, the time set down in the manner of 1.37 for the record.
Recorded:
3.45
